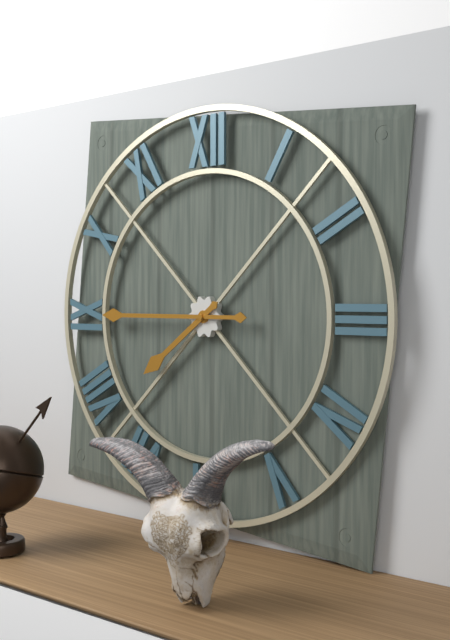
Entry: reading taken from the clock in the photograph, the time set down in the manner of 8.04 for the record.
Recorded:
7.45
